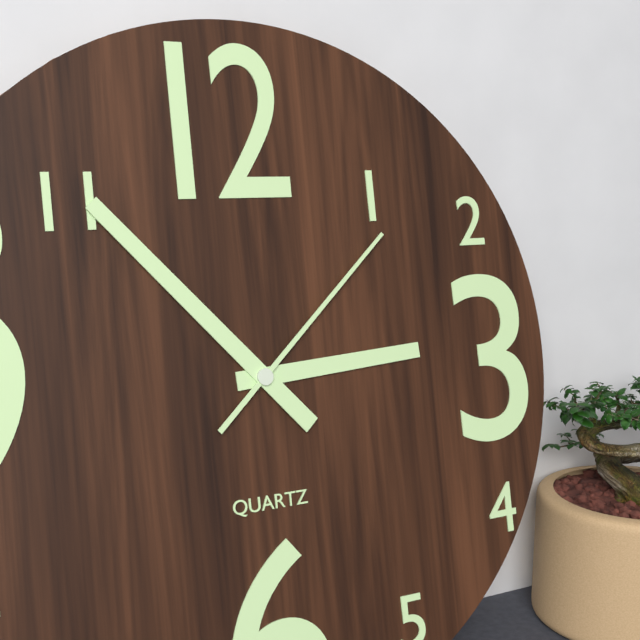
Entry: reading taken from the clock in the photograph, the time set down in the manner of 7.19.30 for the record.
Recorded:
2.53.08
